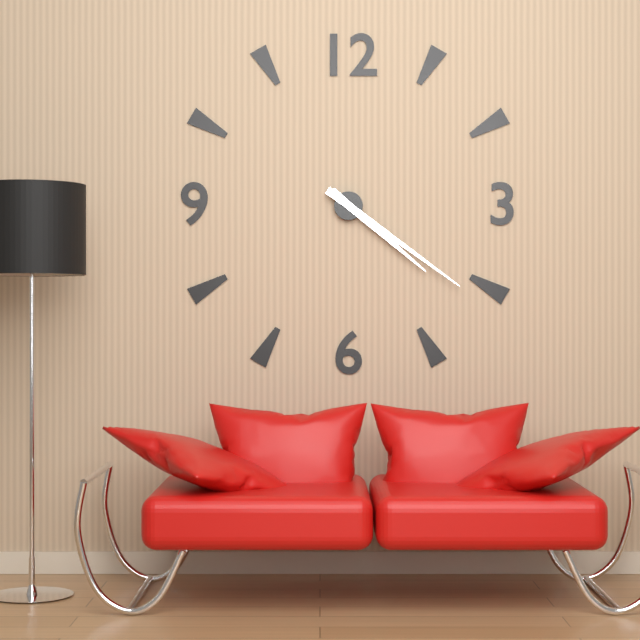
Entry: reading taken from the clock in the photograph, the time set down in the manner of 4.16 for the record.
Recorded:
4.21
